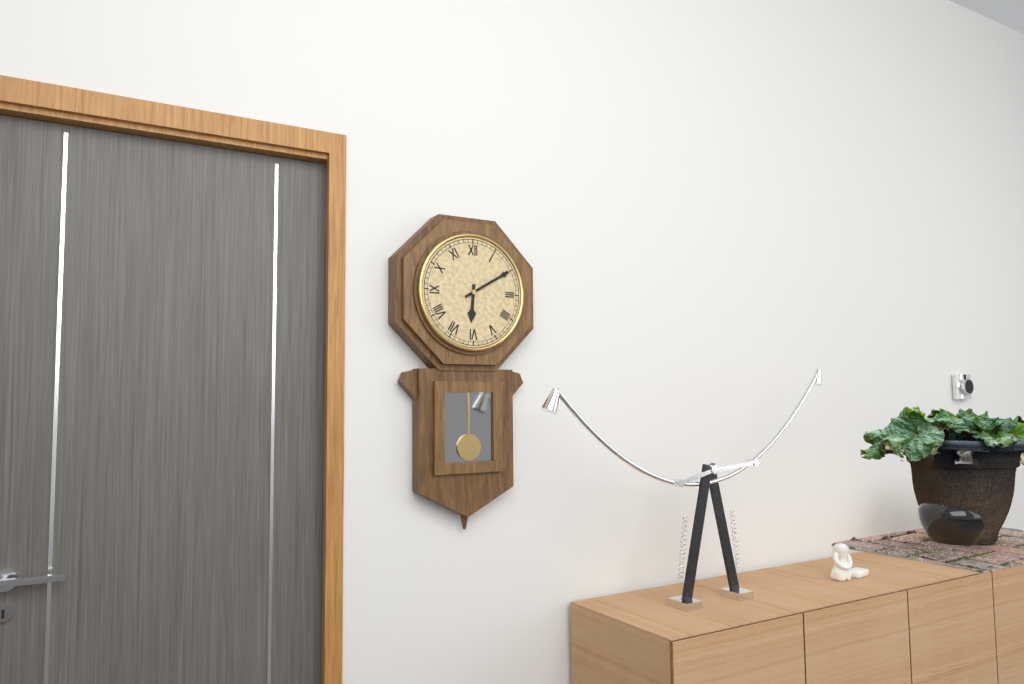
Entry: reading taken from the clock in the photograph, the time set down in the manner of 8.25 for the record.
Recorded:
6.10
